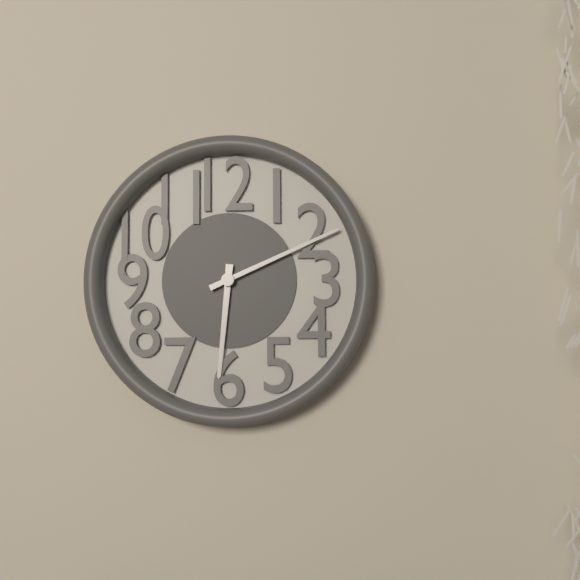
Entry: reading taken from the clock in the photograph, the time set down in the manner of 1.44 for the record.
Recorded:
6.11
